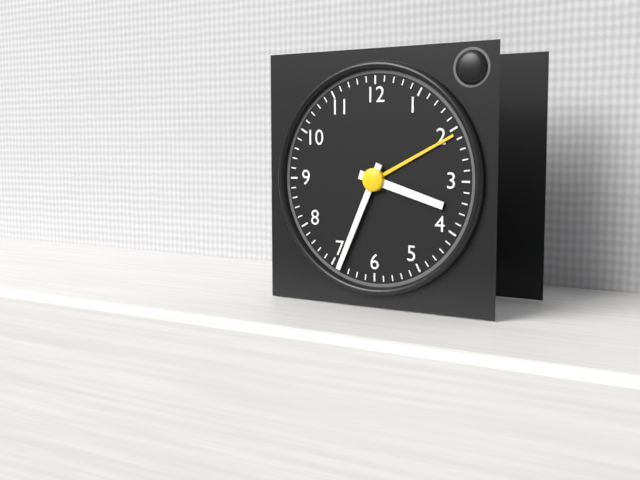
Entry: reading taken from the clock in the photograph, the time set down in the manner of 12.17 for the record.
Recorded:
3.34
